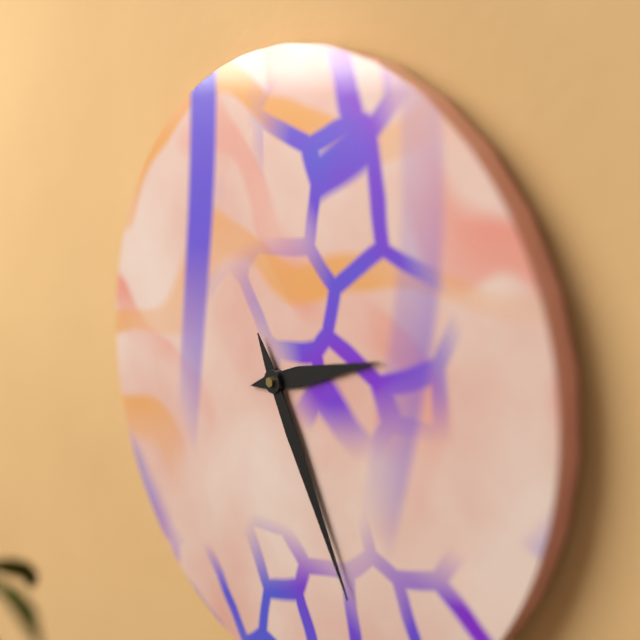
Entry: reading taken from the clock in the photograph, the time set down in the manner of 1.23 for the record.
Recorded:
2.25
